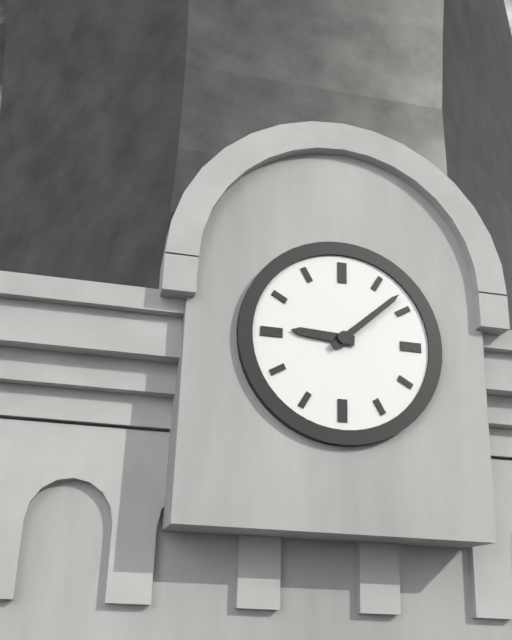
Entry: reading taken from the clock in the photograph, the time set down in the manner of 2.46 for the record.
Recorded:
9.08
